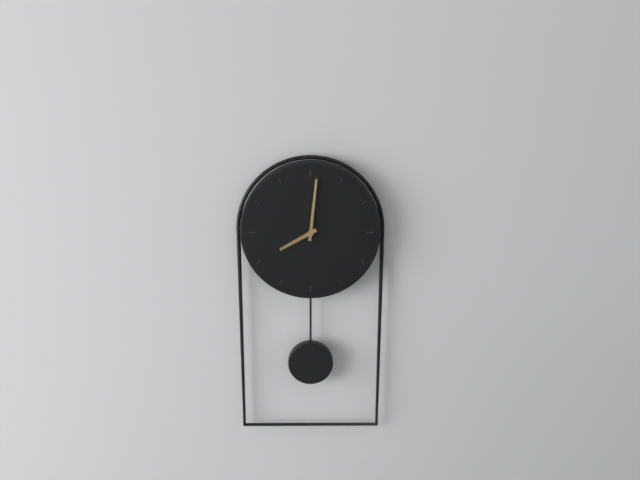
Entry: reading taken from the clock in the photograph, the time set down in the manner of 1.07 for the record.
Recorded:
8.01
